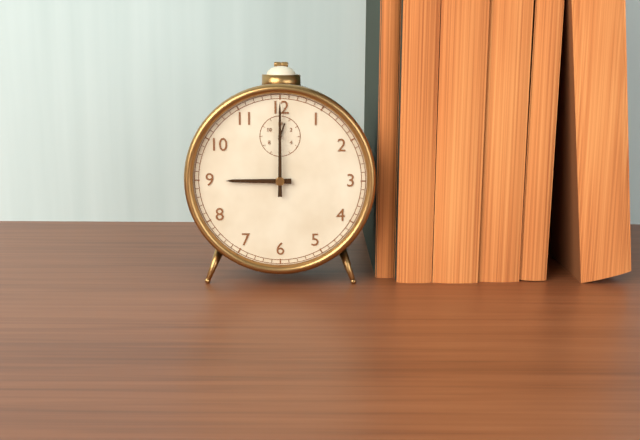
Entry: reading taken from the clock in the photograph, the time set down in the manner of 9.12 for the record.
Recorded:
9.00
